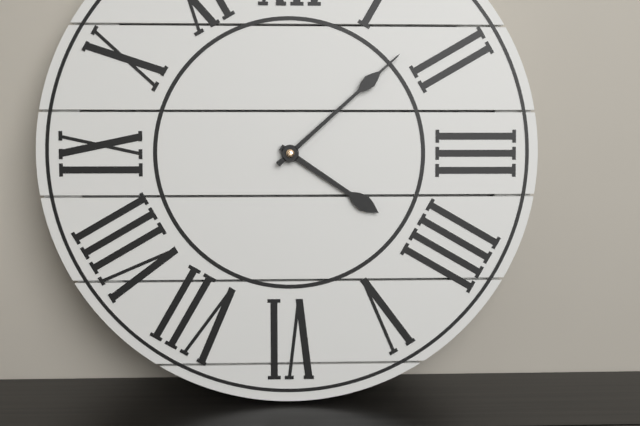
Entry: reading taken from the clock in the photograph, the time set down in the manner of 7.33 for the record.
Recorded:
4.08
